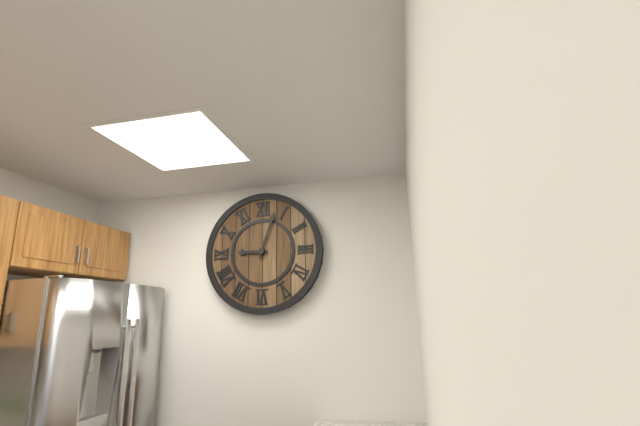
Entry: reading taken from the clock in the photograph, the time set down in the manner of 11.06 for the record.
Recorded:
9.03
